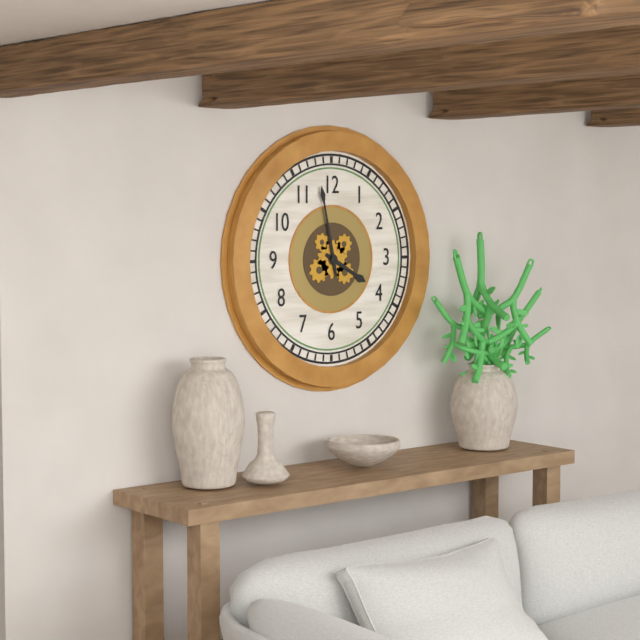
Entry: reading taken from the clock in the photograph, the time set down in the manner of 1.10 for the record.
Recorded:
3.58
